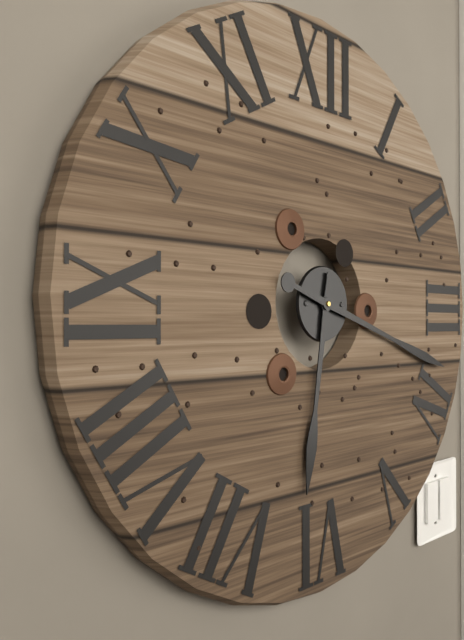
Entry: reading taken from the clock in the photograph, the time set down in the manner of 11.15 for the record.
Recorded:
6.18
